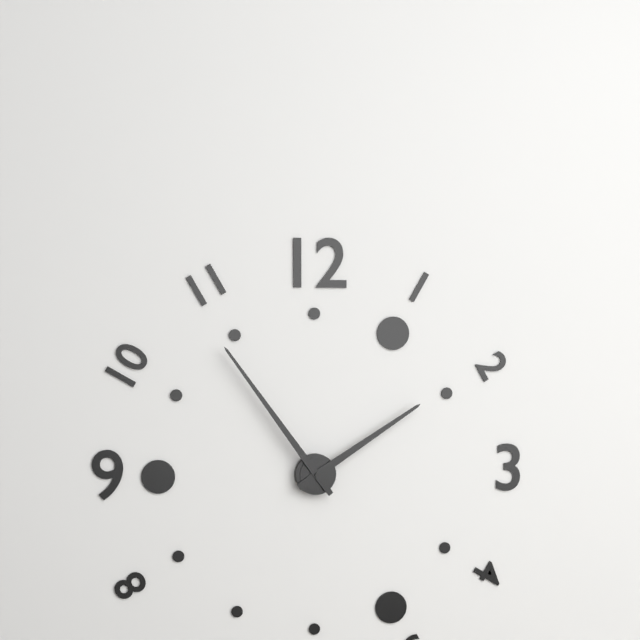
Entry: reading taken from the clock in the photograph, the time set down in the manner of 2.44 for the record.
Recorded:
1.54
